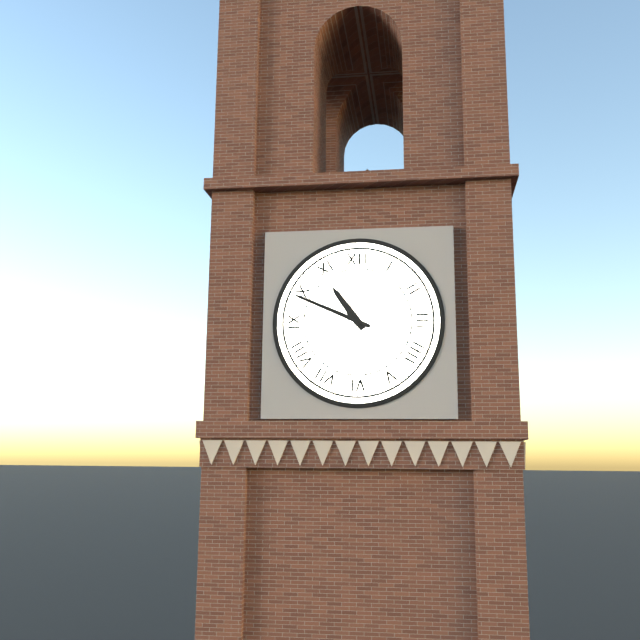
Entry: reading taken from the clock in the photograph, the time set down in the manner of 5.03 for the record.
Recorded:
10.49
